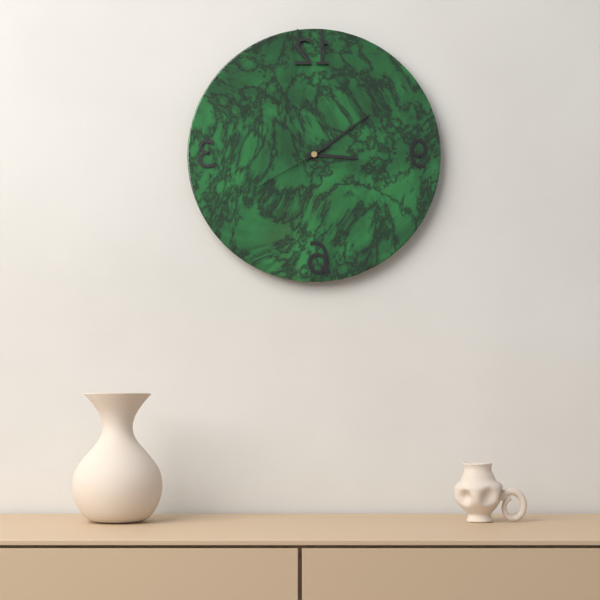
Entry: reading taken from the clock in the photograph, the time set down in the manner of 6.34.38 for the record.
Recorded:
3.09.40
